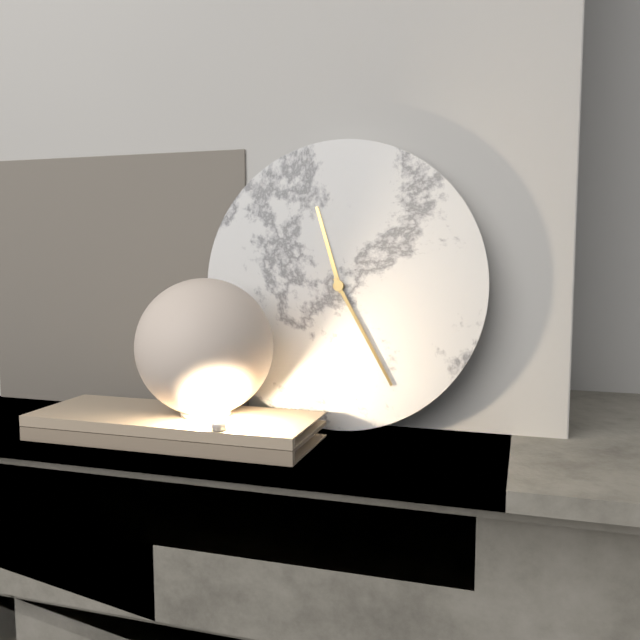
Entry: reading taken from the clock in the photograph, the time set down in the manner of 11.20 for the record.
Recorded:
11.25
